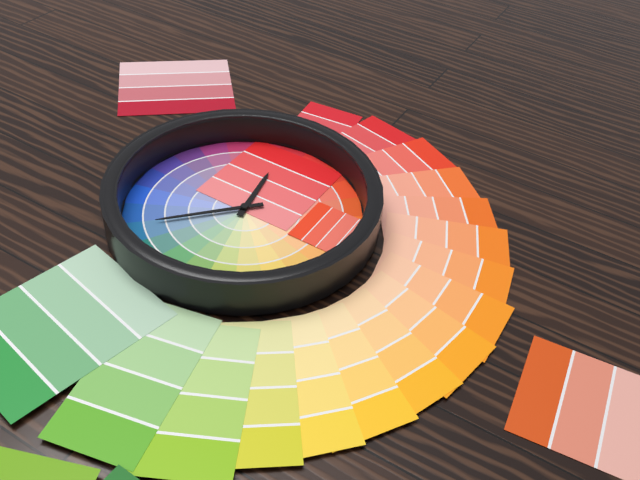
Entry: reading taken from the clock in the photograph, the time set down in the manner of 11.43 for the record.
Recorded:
11.37
